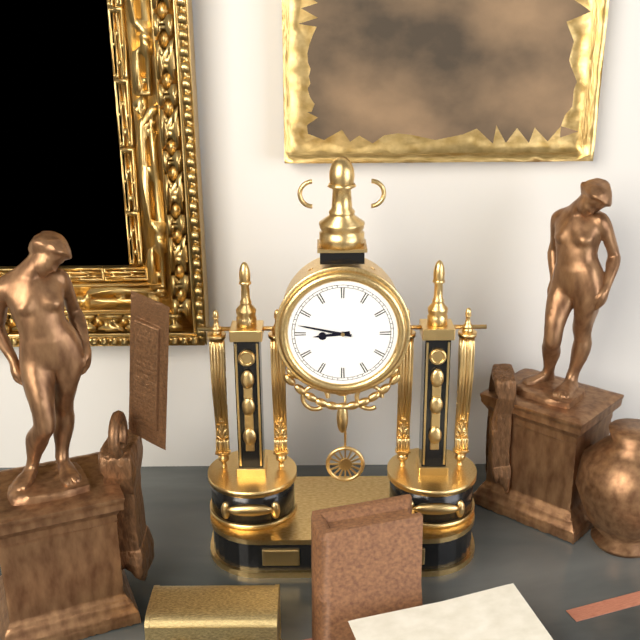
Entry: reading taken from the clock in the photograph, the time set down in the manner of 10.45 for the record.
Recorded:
8.47
